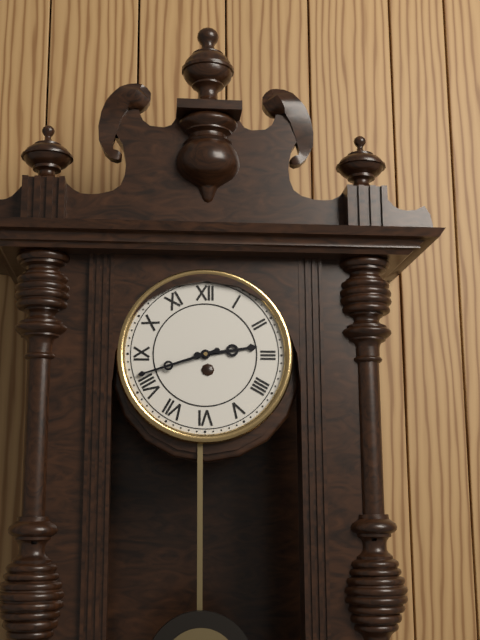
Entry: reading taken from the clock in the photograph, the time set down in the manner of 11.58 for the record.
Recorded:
2.42
